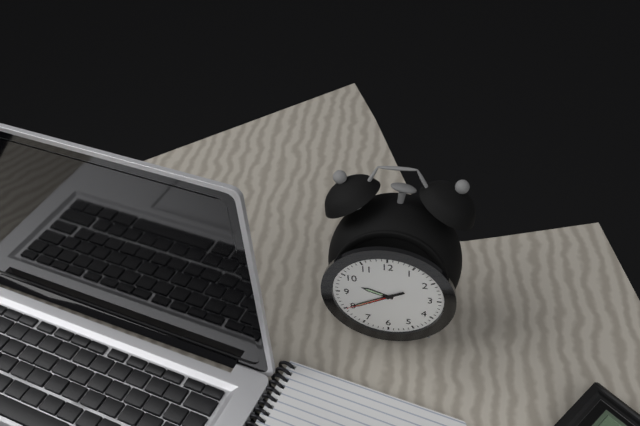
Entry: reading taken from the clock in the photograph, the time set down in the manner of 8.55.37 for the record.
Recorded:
9.40.40
